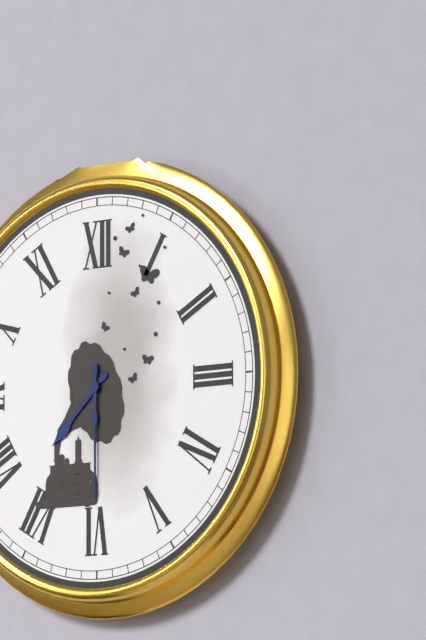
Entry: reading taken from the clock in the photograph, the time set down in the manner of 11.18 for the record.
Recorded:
7.30
